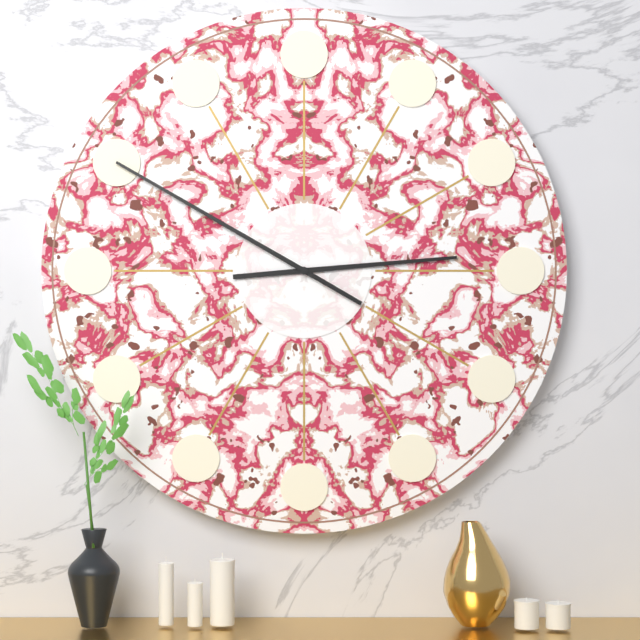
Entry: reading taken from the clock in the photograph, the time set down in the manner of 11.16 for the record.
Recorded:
2.50
